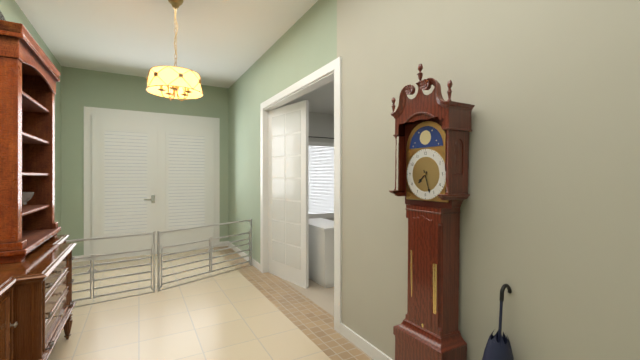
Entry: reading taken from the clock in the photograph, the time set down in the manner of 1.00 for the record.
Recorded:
7.27
